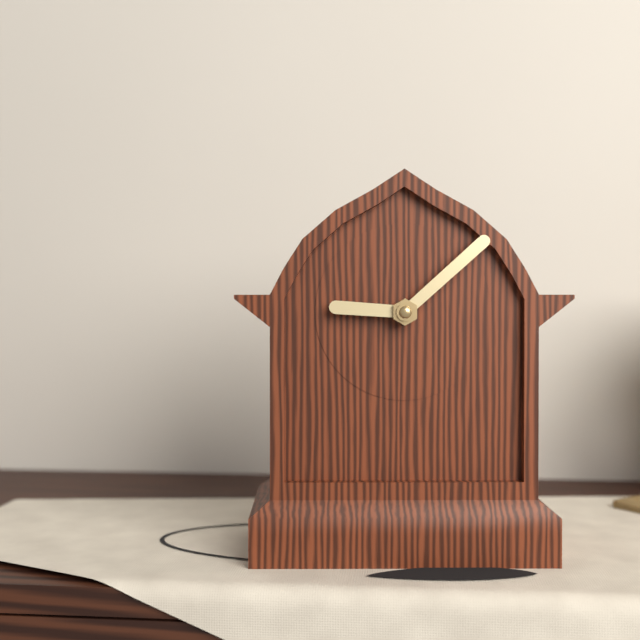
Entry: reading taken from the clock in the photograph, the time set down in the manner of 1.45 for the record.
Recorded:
9.08
